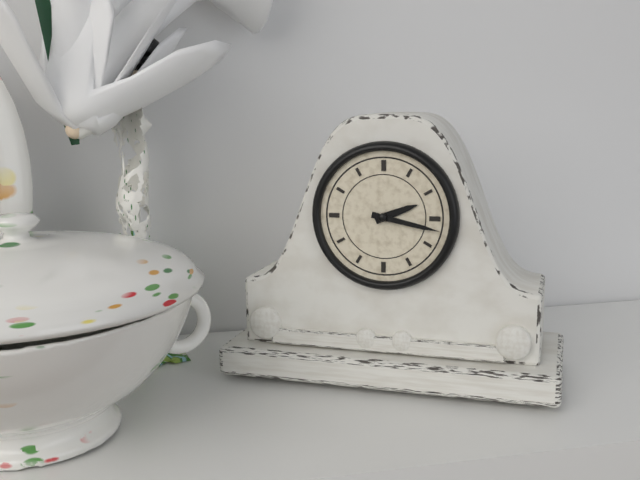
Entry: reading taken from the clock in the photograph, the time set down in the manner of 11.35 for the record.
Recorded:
2.17
